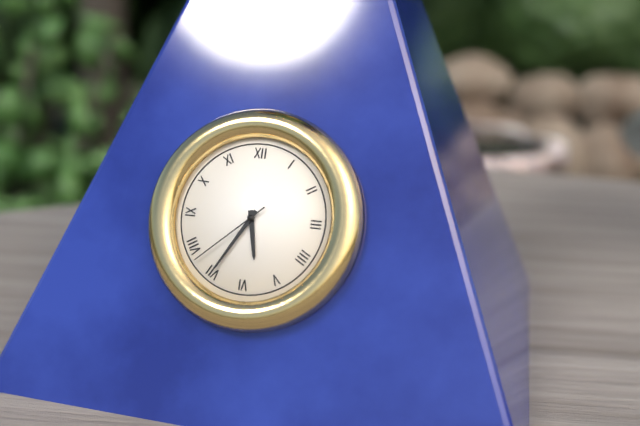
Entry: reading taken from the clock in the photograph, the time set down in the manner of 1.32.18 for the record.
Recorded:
5.35.38
